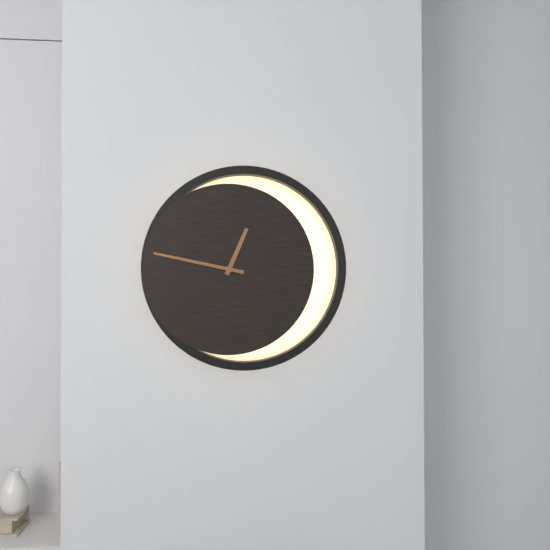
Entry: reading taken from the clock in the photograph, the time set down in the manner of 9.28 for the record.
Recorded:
12.47
